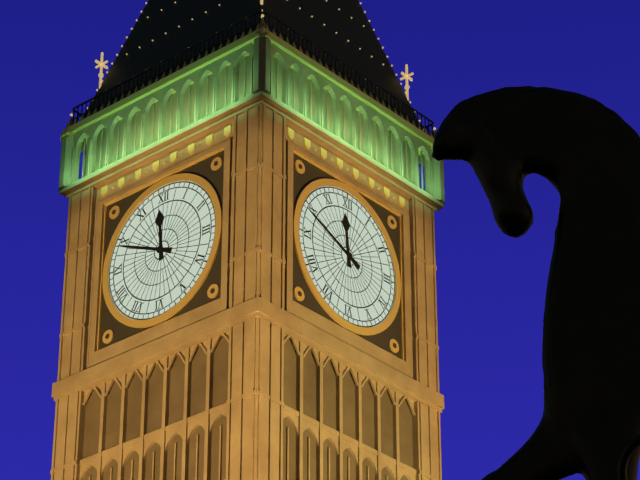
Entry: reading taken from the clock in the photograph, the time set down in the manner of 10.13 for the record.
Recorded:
11.49
